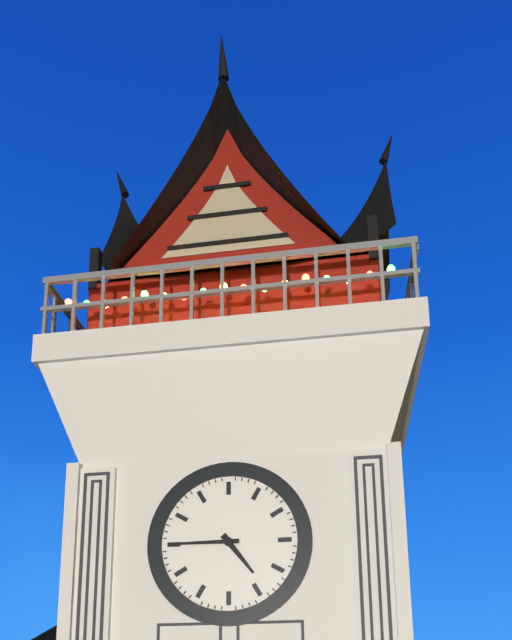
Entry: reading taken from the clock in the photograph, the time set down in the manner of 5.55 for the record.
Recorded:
4.45
